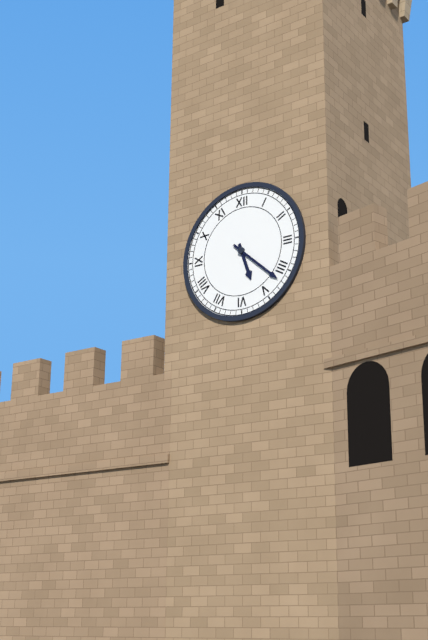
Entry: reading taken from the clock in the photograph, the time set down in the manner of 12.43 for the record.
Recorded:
5.22
